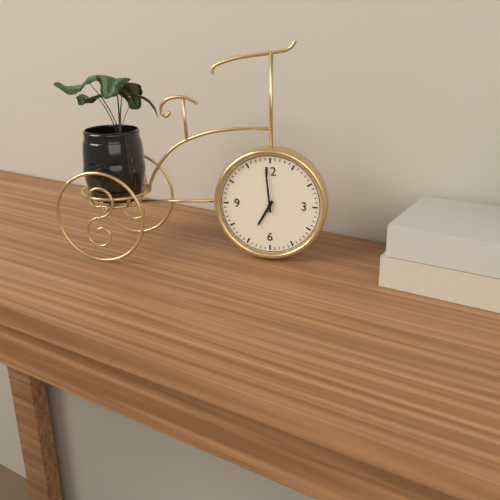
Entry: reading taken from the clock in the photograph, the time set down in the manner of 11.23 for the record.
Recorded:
6.59
